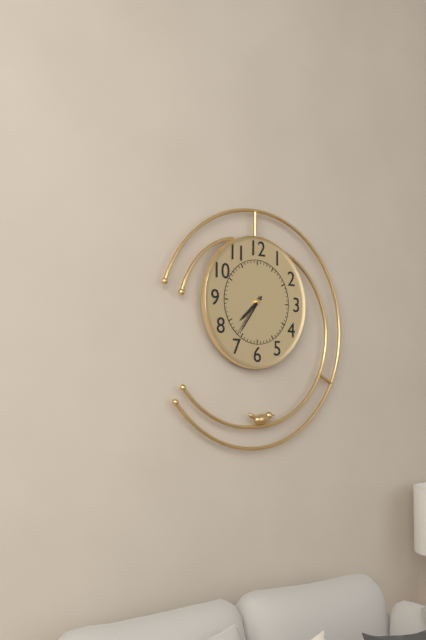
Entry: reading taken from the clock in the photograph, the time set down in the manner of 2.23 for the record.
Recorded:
7.36
